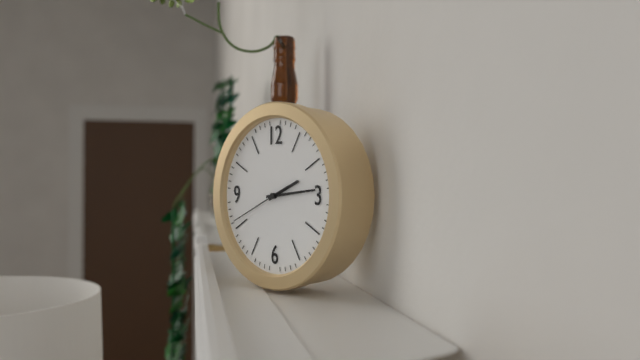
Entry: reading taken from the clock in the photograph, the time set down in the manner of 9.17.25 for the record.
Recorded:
2.14.41
